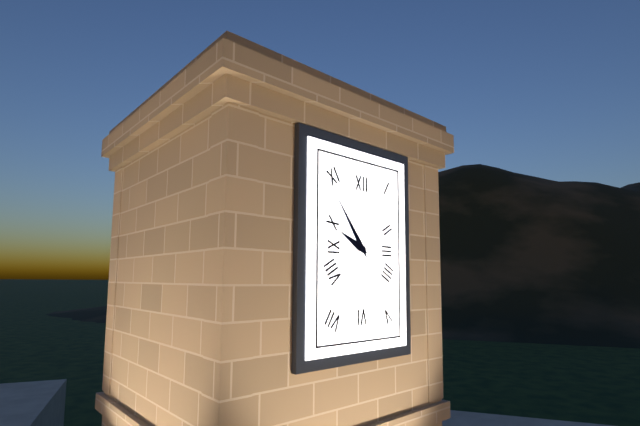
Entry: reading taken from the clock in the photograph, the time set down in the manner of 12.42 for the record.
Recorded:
9.54
